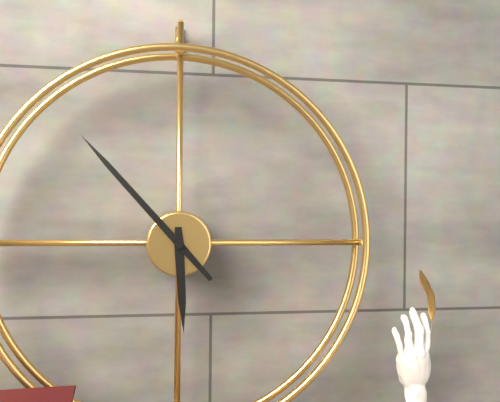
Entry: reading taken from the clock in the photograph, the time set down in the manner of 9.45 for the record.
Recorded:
5.53
